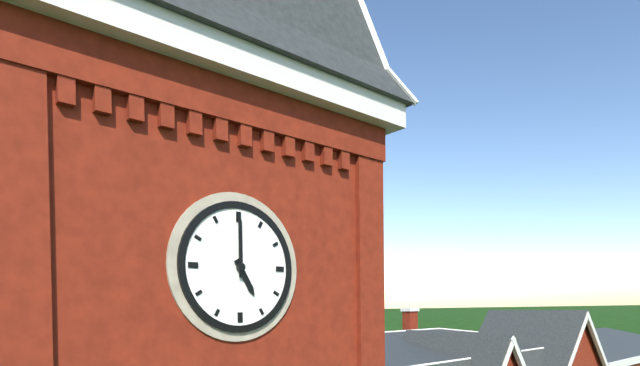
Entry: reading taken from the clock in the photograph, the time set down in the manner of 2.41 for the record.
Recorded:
5.00
